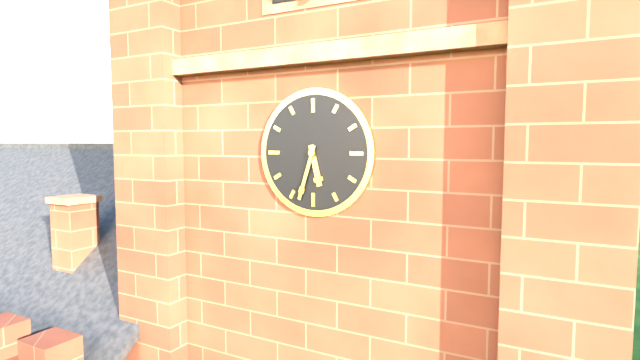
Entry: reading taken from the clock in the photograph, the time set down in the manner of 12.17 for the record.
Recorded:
5.33
